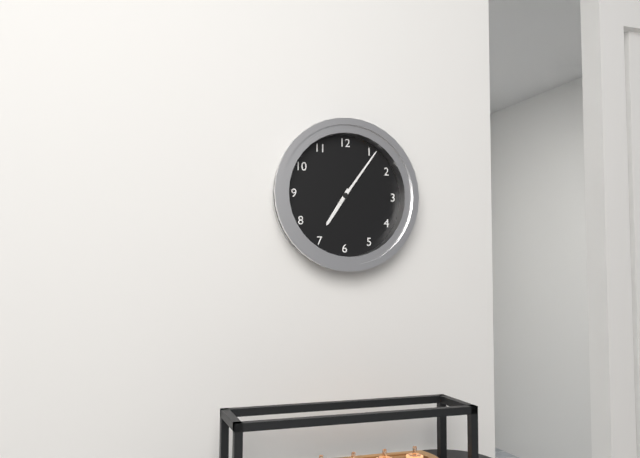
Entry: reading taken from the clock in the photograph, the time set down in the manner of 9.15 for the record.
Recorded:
7.06
